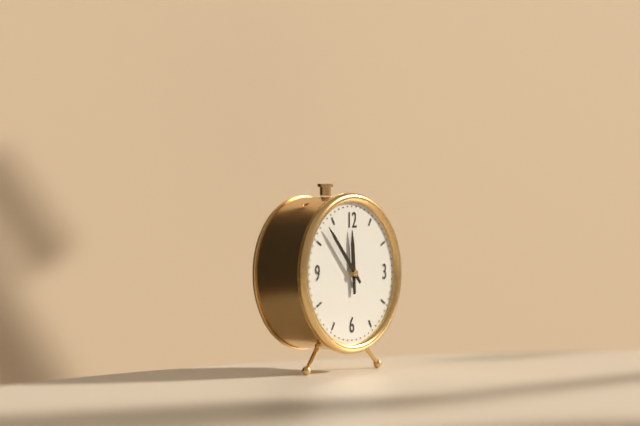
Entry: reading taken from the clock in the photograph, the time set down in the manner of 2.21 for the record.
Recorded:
11.53
